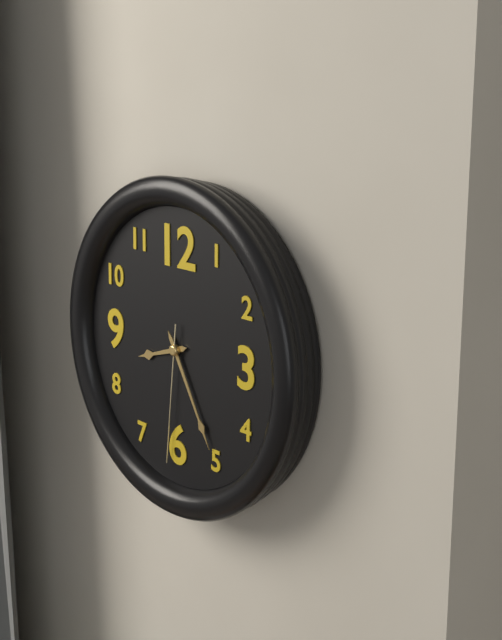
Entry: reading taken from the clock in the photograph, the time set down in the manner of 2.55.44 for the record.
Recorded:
8.25.31
